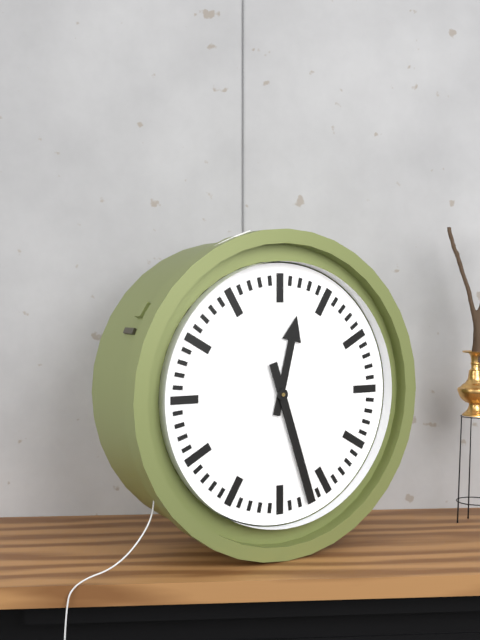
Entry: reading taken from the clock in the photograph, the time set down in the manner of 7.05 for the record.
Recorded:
12.27
